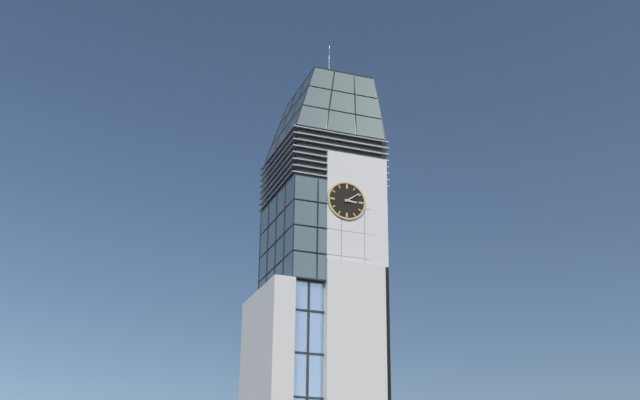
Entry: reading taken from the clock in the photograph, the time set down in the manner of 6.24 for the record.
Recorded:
3.09
